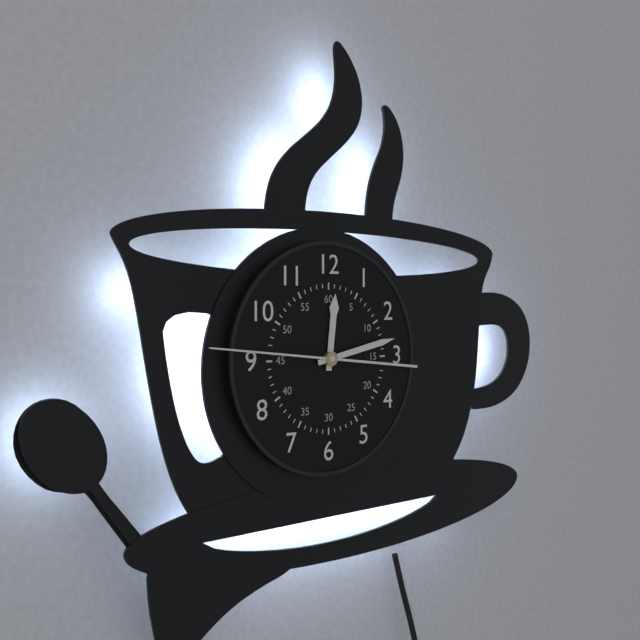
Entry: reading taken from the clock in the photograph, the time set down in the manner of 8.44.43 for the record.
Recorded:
12.13.46
